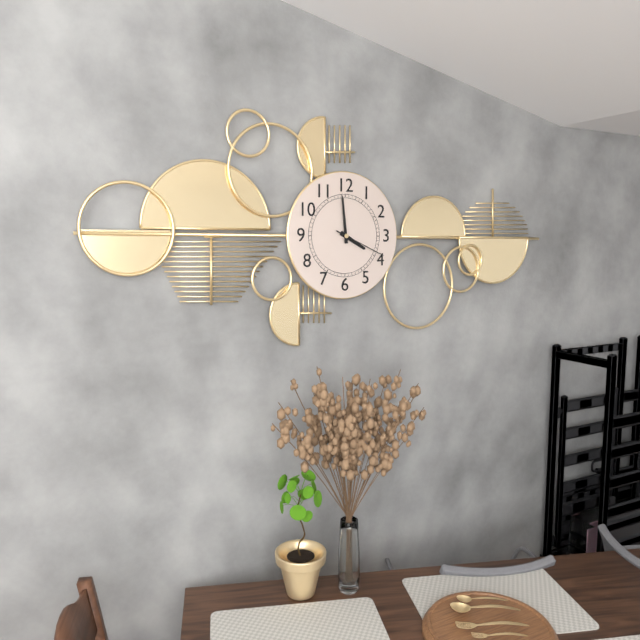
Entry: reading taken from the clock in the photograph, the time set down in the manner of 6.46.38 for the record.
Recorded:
3.59.19
